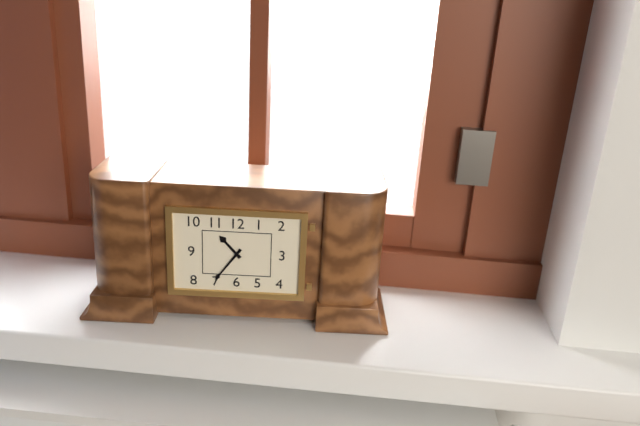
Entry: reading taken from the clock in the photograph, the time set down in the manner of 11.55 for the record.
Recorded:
10.36
